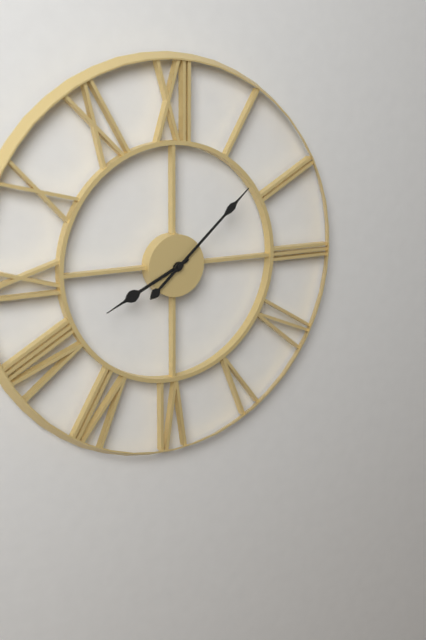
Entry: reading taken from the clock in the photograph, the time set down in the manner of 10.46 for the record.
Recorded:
8.08
